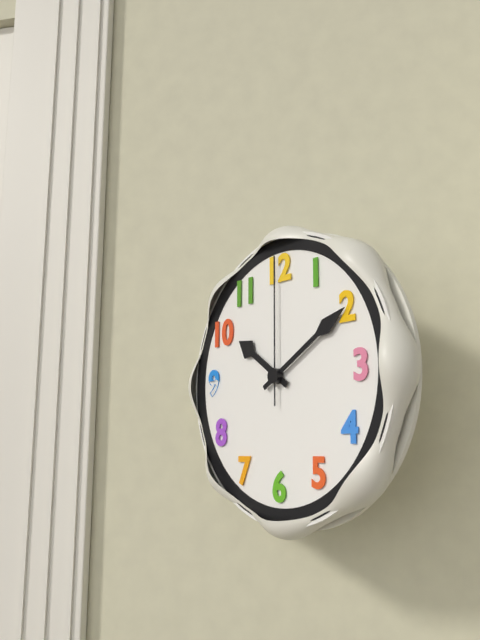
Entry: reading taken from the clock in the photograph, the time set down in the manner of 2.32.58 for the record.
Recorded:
10.10.00
